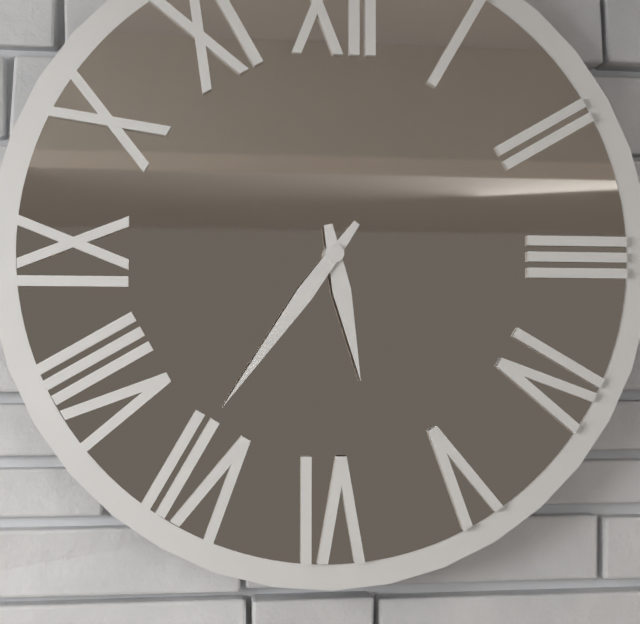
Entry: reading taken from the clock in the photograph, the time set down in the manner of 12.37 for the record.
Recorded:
5.36
